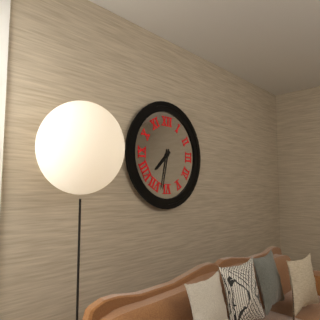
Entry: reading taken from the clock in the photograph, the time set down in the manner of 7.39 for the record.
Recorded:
7.32
